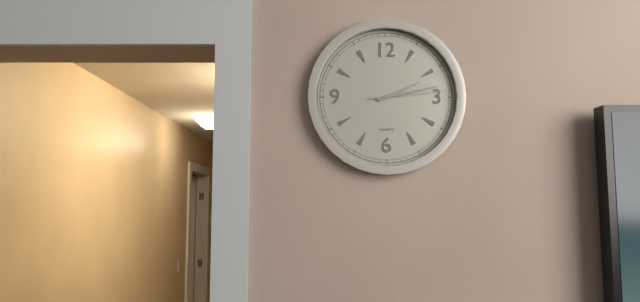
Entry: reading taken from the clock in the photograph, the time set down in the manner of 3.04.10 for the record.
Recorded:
2.13.14
